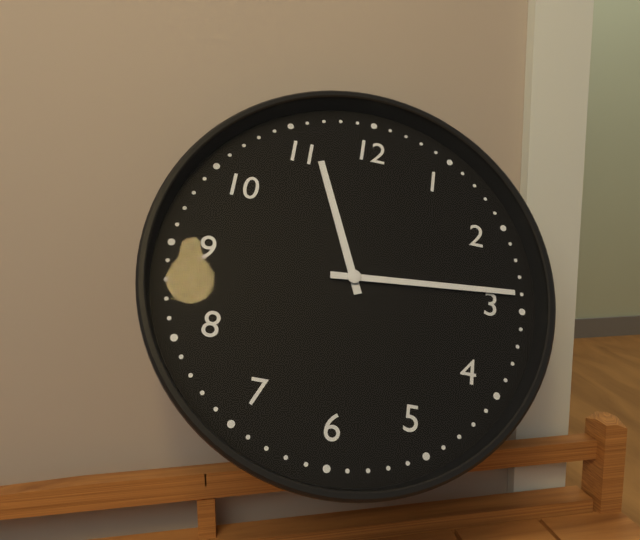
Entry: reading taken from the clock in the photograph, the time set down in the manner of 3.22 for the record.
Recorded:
11.14
